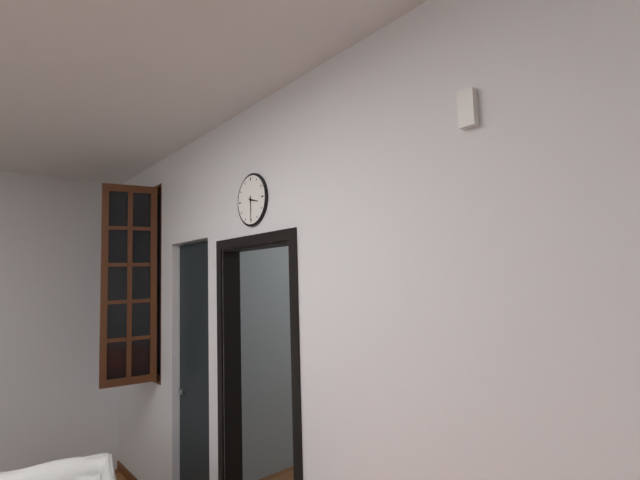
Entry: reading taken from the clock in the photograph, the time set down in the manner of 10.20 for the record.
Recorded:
3.30
